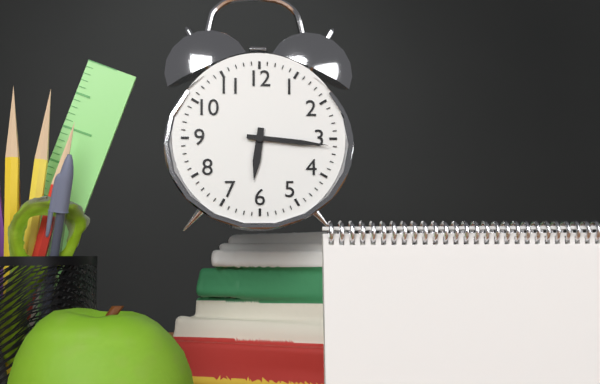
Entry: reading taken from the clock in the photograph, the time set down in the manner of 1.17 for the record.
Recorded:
6.16
